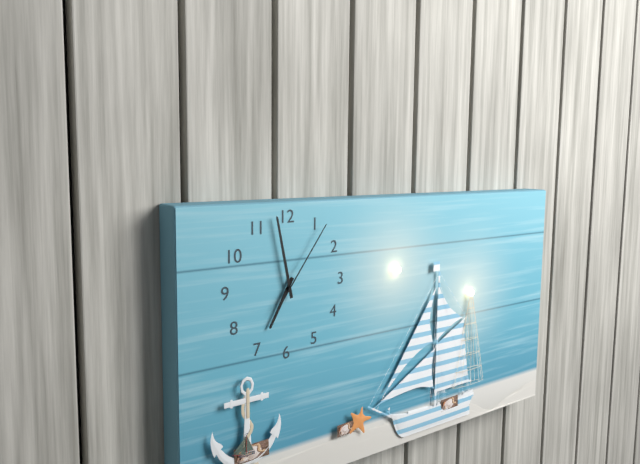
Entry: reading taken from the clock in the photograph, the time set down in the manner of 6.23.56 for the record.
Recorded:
6.58.06
